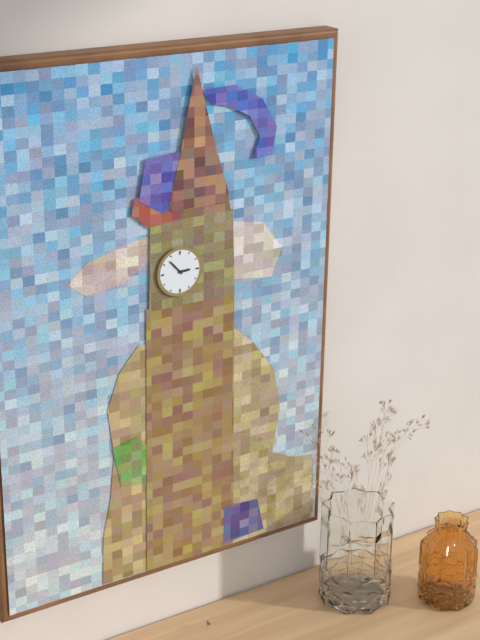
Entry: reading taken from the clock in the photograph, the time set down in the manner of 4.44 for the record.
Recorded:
2.53
